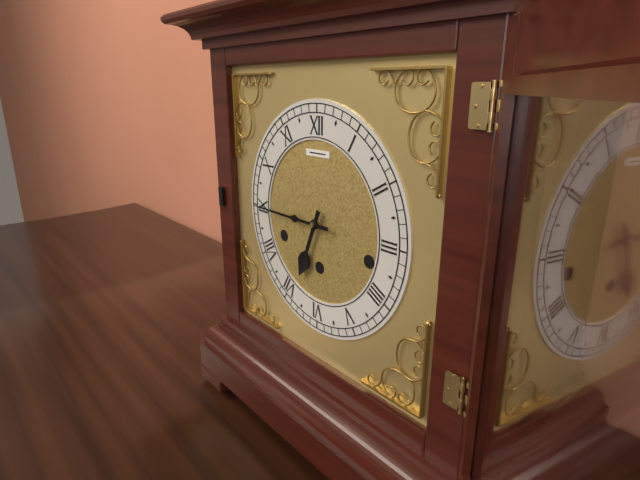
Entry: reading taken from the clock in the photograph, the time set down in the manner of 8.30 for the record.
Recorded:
6.45
